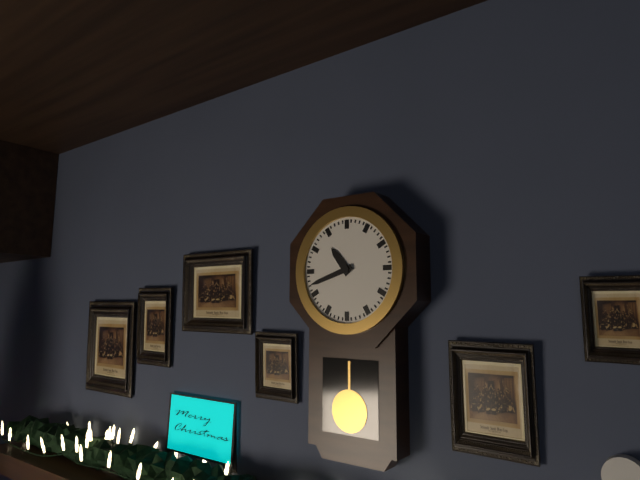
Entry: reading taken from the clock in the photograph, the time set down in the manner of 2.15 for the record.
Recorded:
10.42
